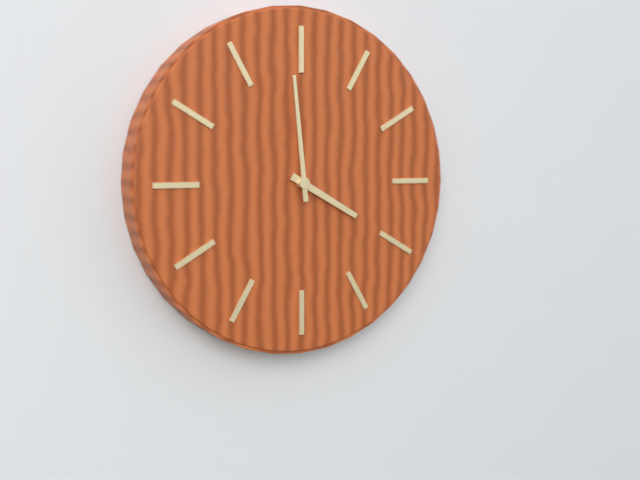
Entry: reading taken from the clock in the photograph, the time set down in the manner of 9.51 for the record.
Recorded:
3.59
